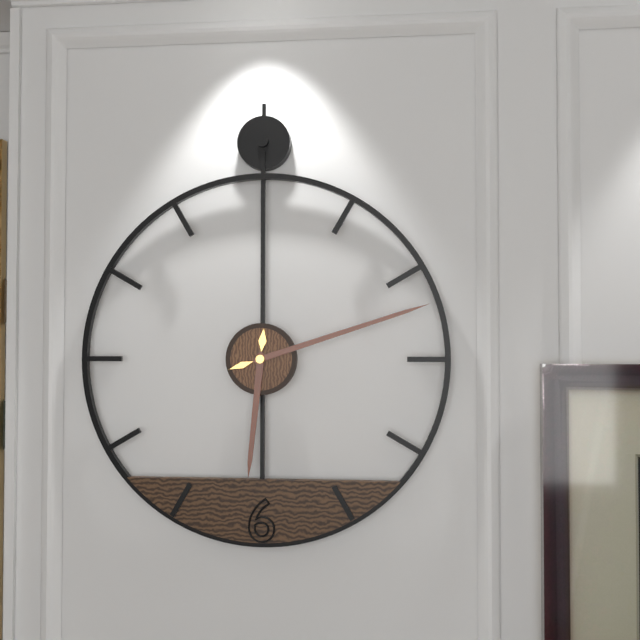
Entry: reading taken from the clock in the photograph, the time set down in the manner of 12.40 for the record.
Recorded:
6.12
